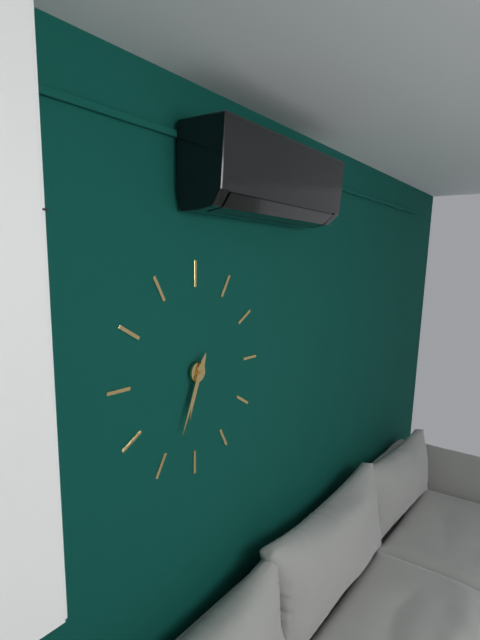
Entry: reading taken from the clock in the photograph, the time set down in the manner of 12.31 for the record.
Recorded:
6.34
